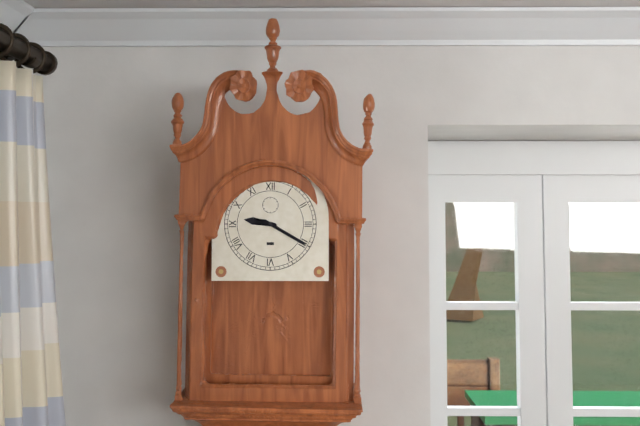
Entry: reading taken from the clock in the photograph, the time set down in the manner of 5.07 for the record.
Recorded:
9.20
